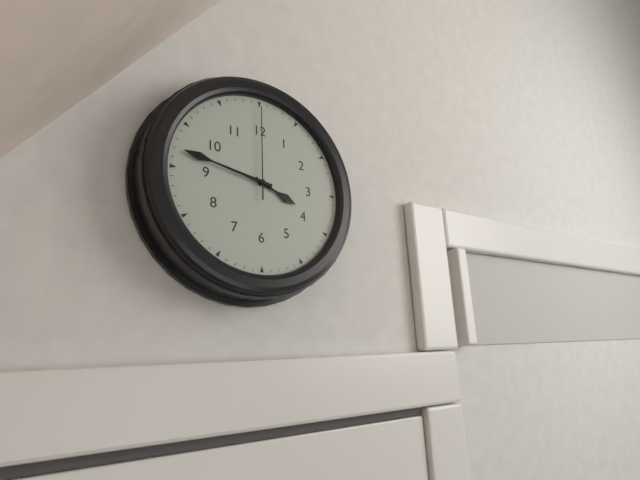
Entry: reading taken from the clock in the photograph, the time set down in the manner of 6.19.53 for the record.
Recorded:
3.47.00
